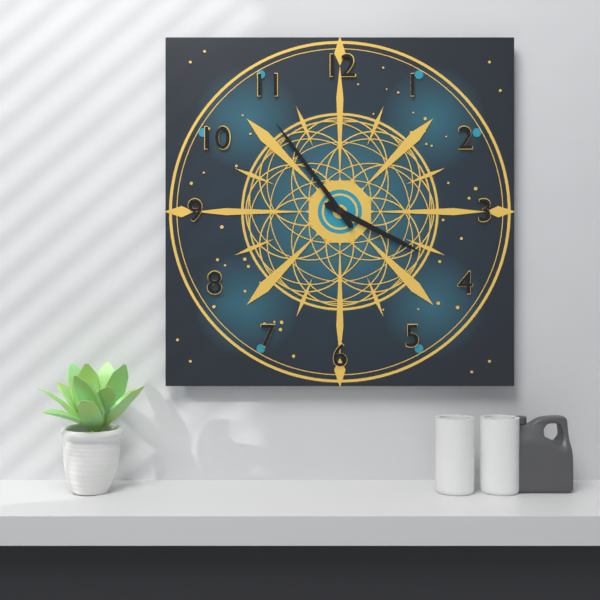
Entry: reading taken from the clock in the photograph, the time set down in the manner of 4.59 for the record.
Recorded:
3.54
